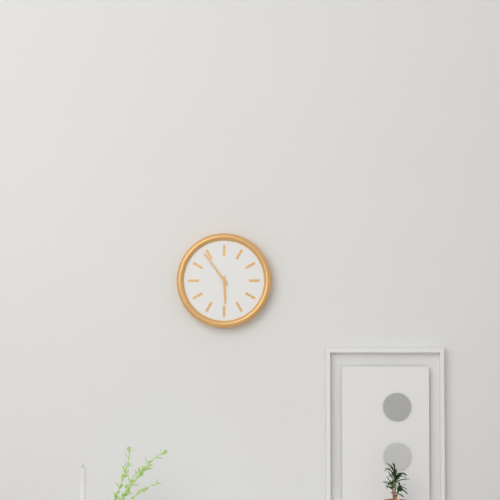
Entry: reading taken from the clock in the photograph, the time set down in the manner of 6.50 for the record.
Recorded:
5.54
